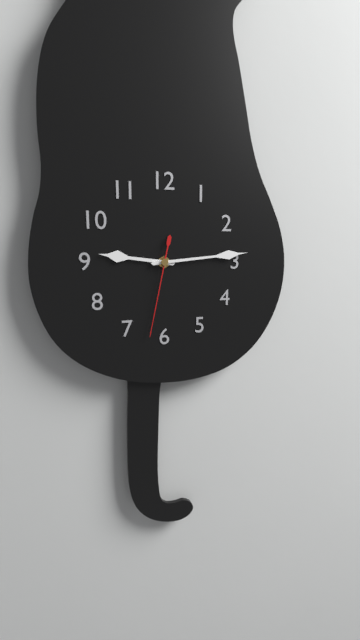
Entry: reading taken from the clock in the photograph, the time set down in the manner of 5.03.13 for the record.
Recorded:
9.14.32
